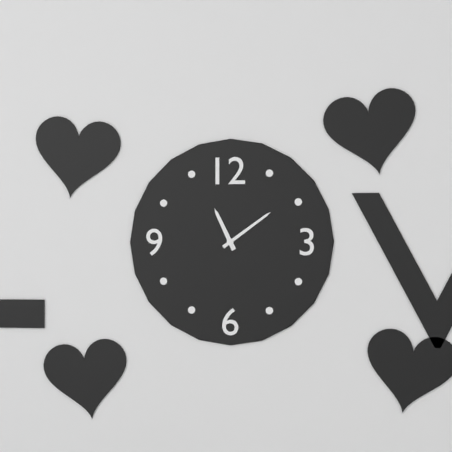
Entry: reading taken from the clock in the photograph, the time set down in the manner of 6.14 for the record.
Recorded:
11.09
